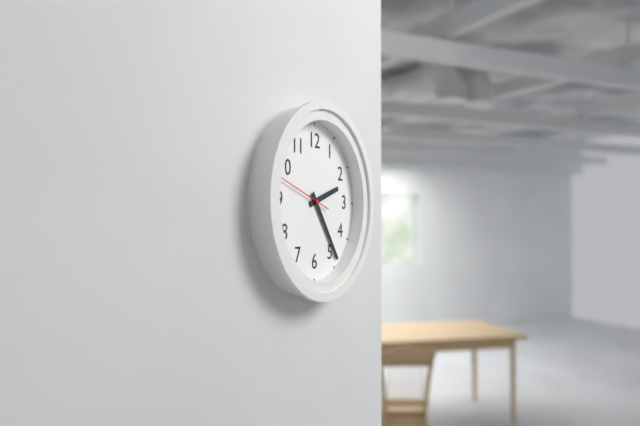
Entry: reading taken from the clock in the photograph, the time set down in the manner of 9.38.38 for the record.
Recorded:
2.24.48
